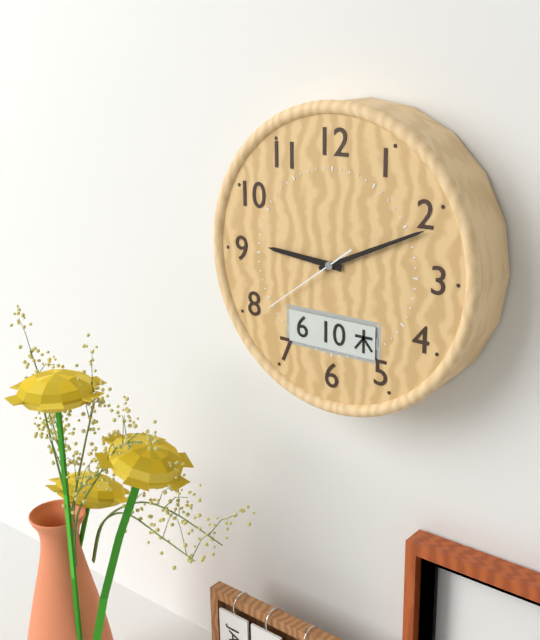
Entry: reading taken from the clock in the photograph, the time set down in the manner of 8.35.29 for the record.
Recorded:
9.11.39
